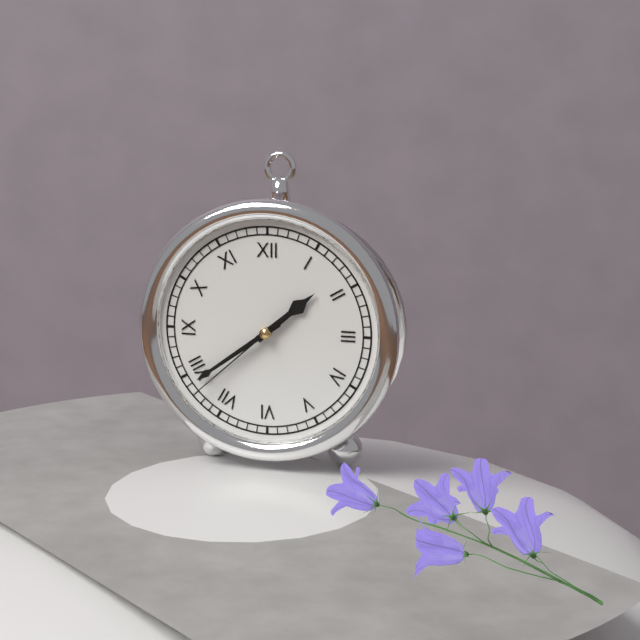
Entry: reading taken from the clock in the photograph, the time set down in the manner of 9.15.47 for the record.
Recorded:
1.39.38
